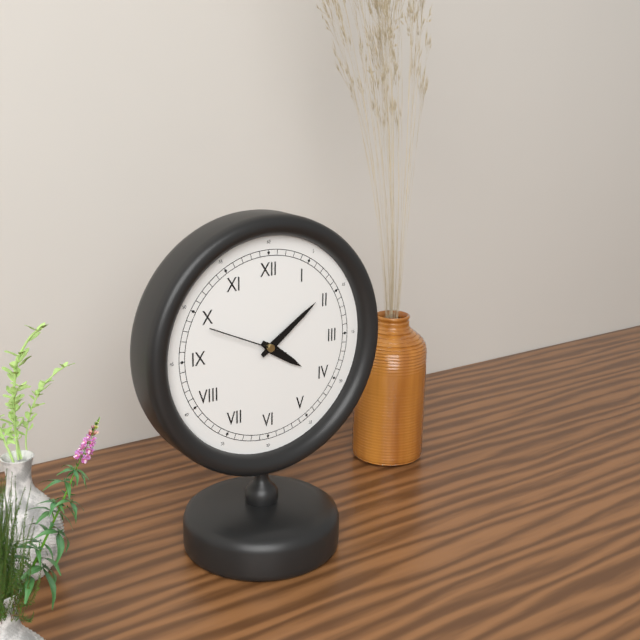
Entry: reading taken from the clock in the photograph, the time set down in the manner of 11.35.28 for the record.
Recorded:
4.09.49
